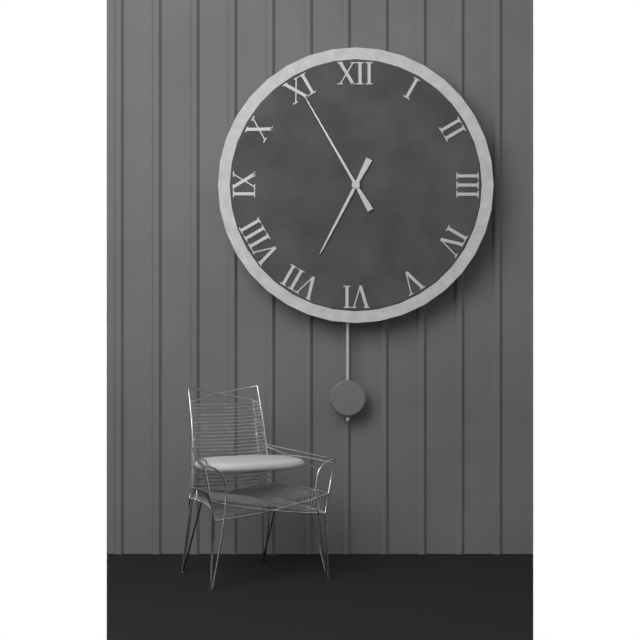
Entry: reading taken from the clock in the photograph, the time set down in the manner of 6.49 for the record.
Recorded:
6.55
